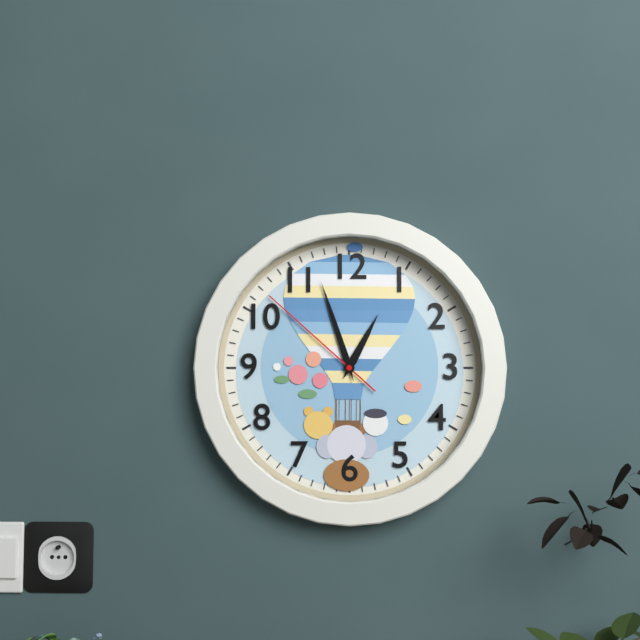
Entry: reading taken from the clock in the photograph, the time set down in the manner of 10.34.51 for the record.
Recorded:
12.57.52
